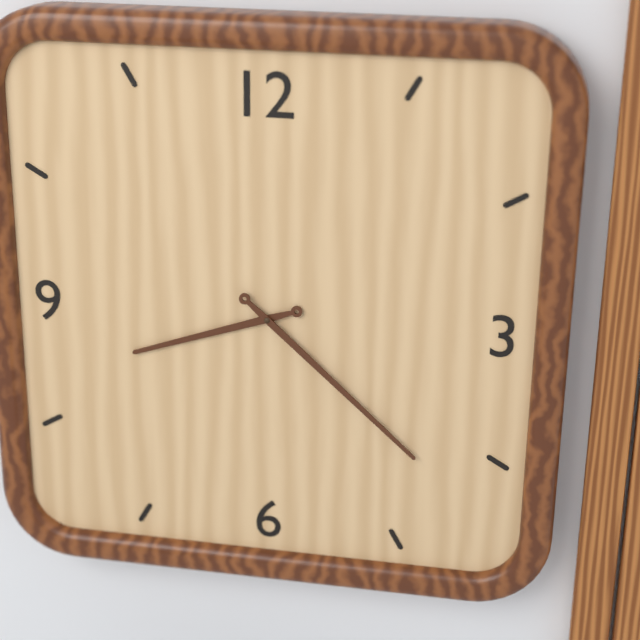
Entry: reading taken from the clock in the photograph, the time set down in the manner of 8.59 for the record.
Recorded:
8.22
